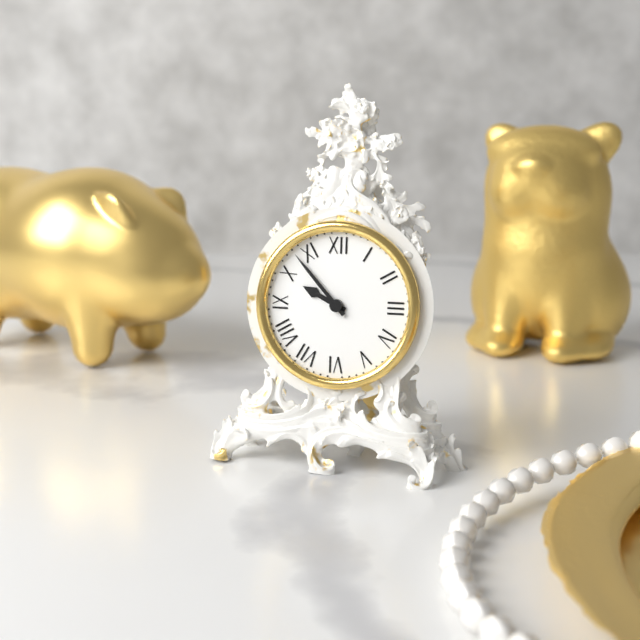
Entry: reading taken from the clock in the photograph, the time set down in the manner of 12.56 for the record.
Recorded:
9.53
